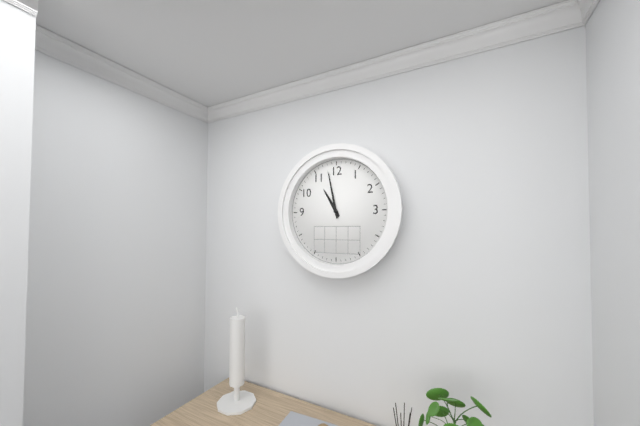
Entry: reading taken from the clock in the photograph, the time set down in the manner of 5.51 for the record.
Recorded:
10.58
